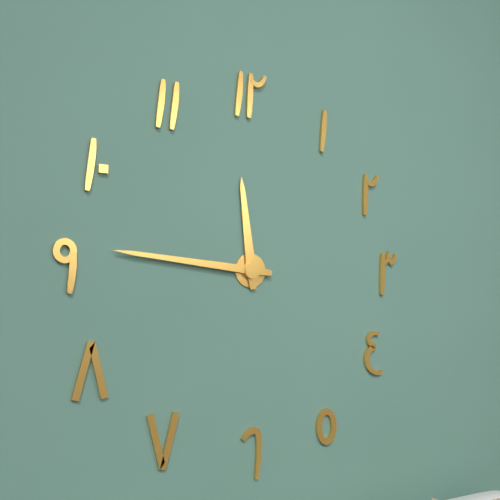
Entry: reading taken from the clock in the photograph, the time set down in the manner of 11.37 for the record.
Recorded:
11.46
